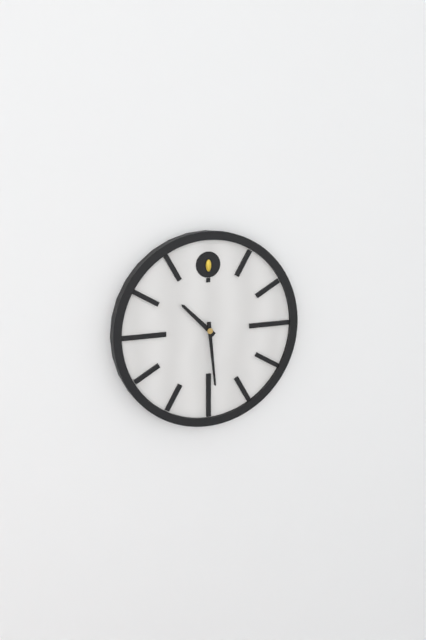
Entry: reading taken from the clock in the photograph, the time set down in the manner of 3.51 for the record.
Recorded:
10.29
